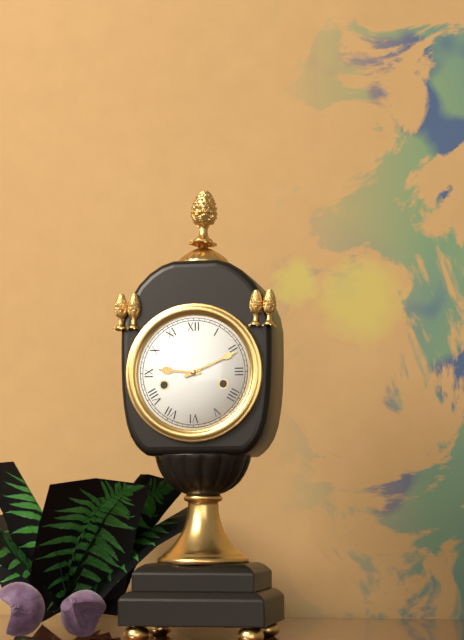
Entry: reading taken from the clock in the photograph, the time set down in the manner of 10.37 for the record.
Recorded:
9.11
